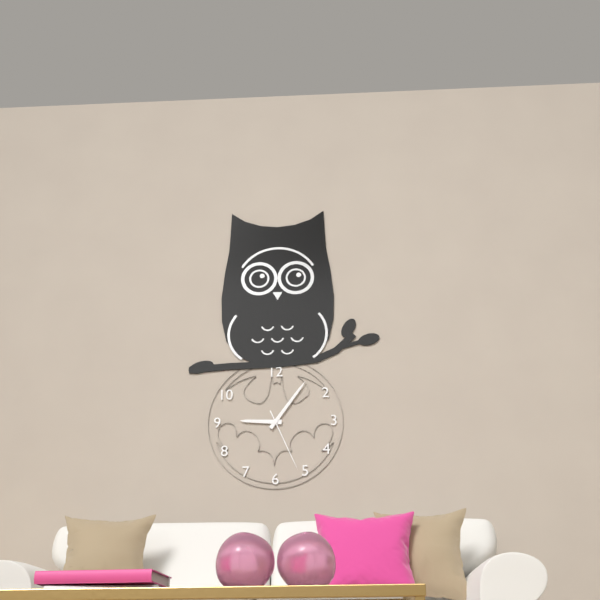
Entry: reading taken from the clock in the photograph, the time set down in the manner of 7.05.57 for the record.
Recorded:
9.06.26
